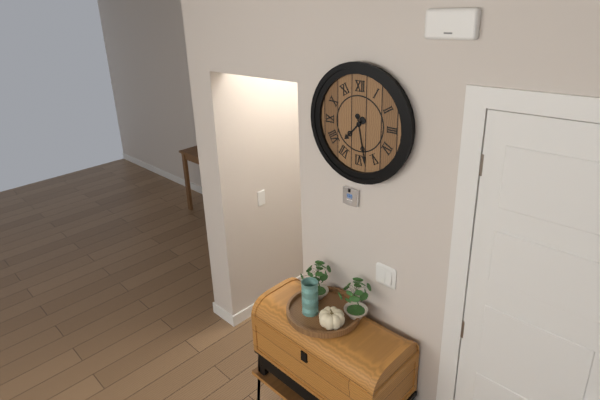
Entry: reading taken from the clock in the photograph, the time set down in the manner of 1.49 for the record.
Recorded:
7.28
